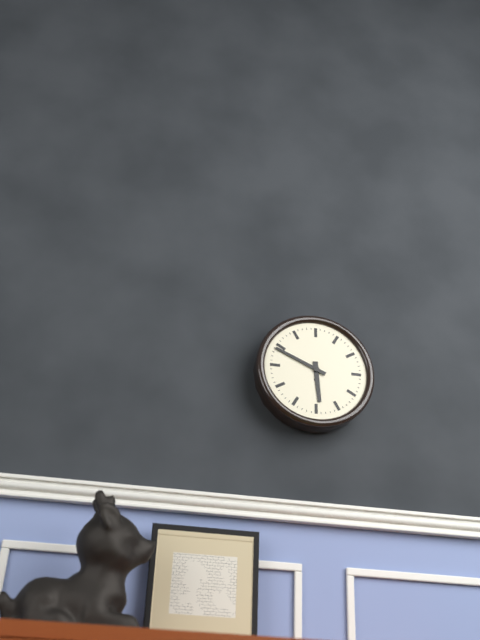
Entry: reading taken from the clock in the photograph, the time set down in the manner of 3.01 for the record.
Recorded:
5.49
